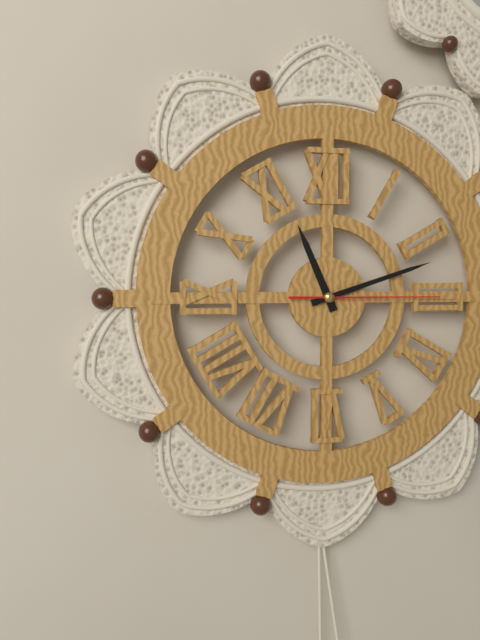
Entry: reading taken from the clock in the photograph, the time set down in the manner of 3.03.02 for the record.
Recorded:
11.12.15
